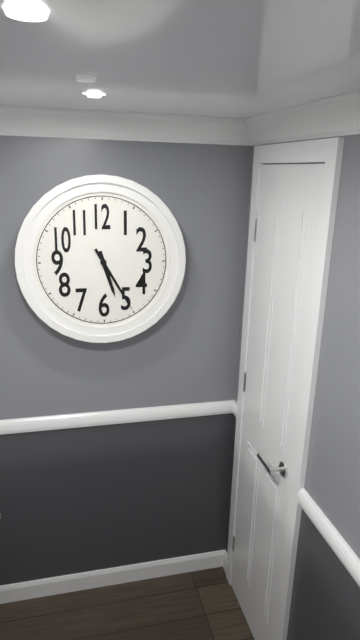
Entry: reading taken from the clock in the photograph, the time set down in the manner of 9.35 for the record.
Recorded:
5.25
